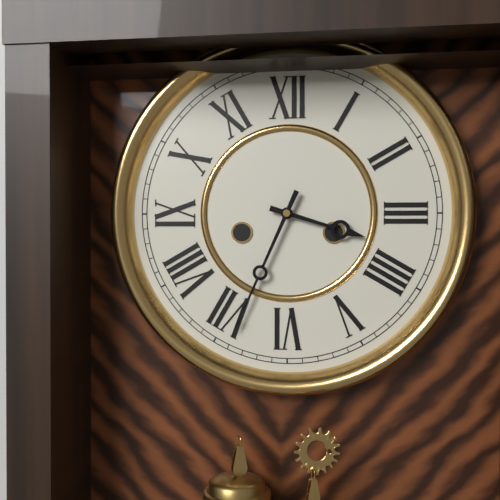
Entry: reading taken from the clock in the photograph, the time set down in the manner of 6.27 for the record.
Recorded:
3.34
